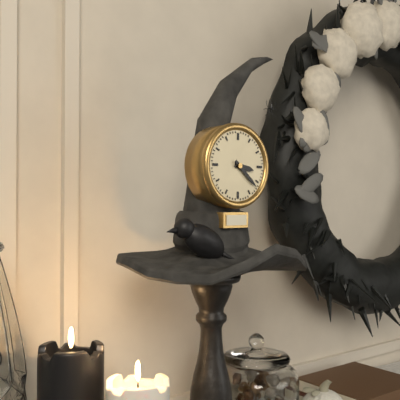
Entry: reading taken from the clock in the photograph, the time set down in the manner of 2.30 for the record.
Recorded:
3.22
